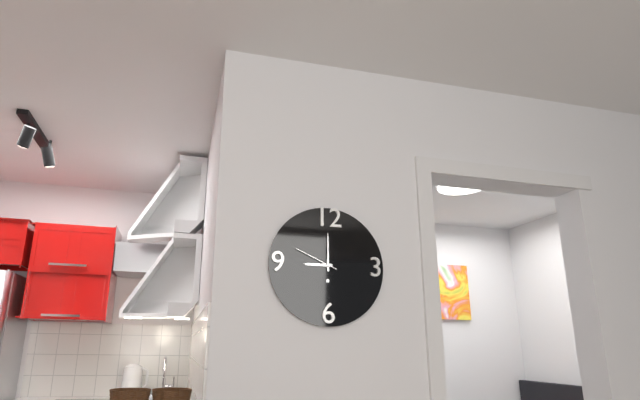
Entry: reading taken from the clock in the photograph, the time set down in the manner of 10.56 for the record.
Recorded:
9.00
